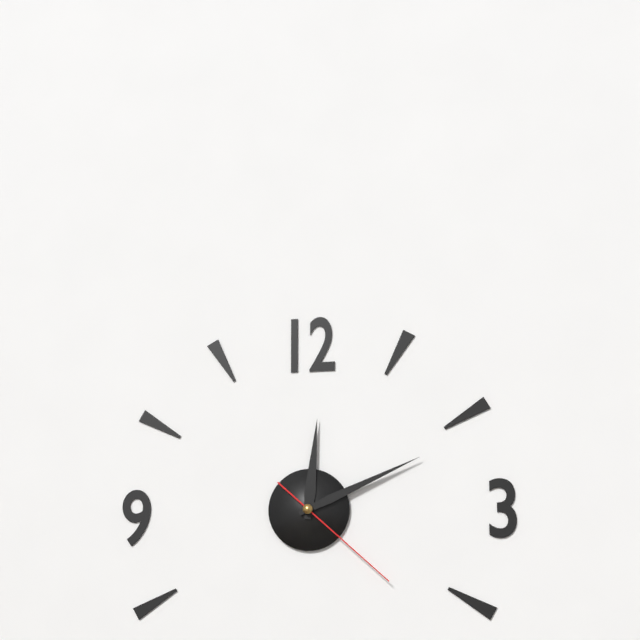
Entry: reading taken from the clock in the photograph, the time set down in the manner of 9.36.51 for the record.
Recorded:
12.11.22
